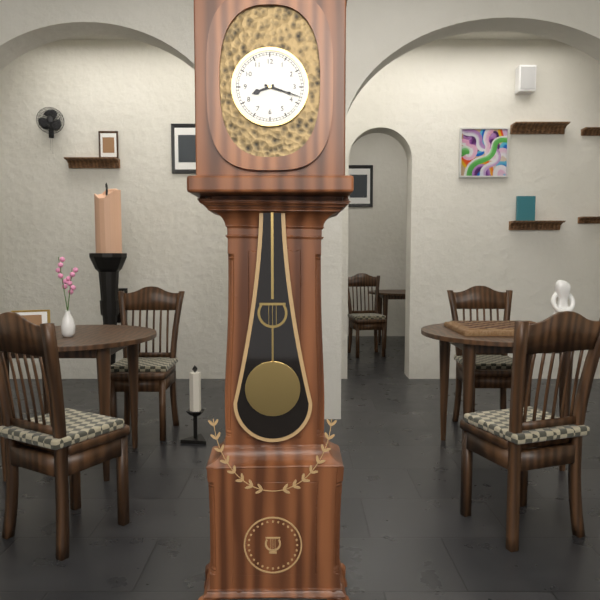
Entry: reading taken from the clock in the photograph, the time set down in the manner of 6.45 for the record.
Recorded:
8.18
